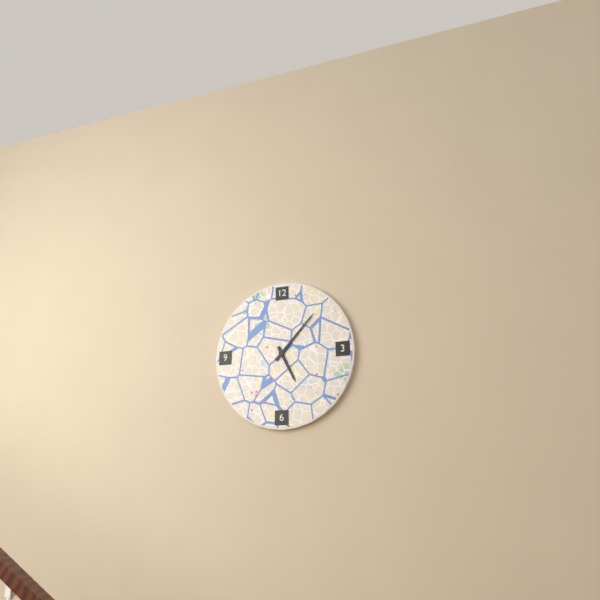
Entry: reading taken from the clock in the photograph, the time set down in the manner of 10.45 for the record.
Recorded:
5.07
